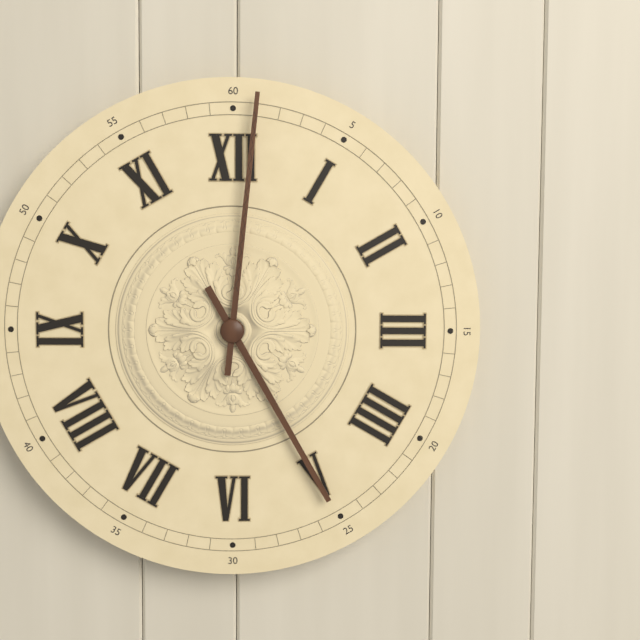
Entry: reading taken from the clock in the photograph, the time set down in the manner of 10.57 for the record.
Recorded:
5.01
